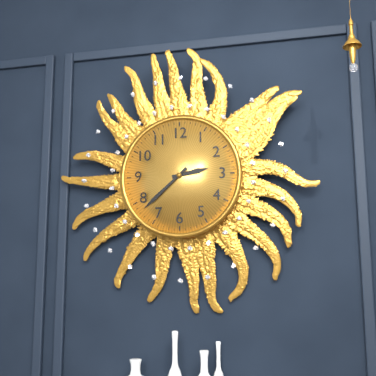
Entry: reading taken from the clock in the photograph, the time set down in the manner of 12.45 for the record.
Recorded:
2.38
